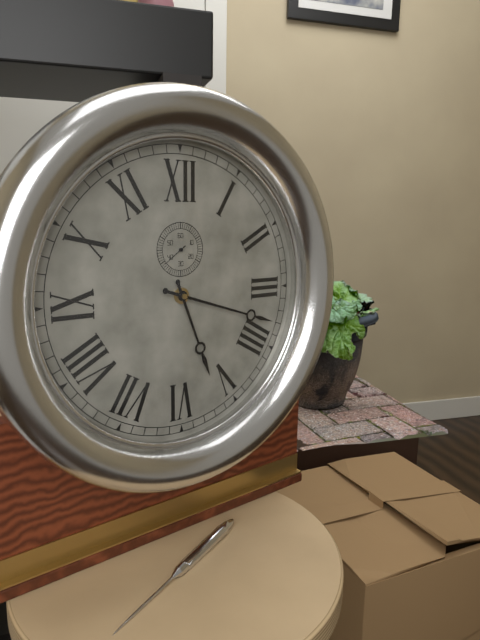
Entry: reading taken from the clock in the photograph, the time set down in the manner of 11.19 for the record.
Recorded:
5.18
